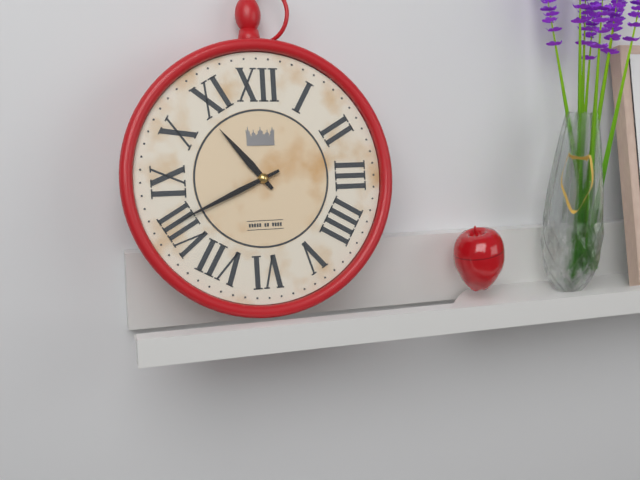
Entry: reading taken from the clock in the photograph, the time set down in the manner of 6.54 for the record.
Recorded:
10.41
